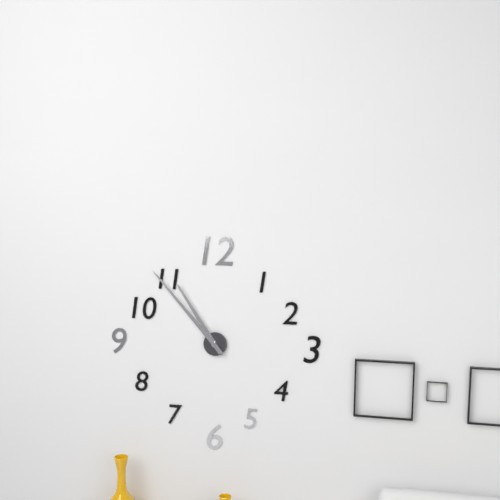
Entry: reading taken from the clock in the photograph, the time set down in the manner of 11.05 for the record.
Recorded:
10.53
